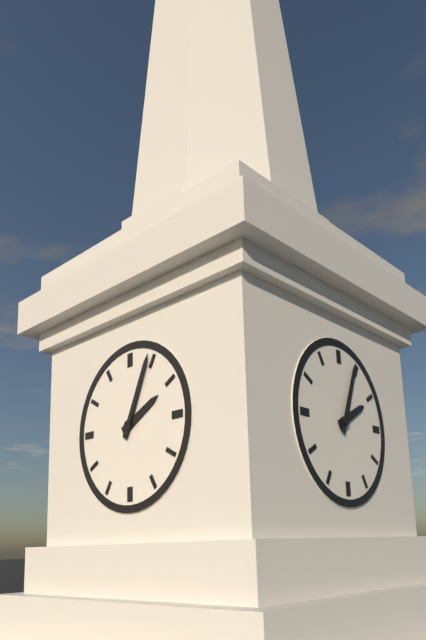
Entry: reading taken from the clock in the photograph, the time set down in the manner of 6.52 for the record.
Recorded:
2.04
